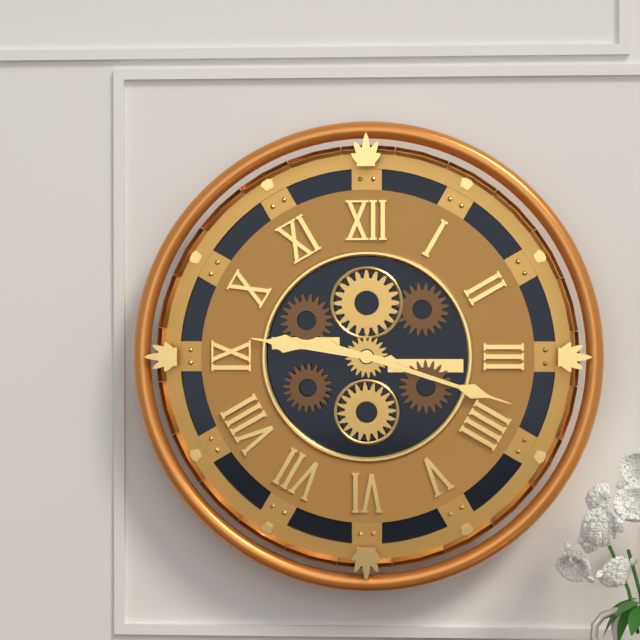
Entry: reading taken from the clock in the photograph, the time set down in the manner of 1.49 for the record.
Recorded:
9.18
